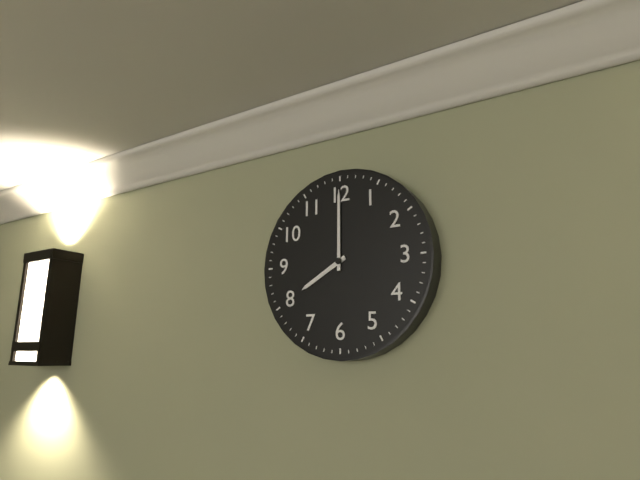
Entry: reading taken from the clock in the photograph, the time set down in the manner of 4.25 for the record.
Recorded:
8.00
